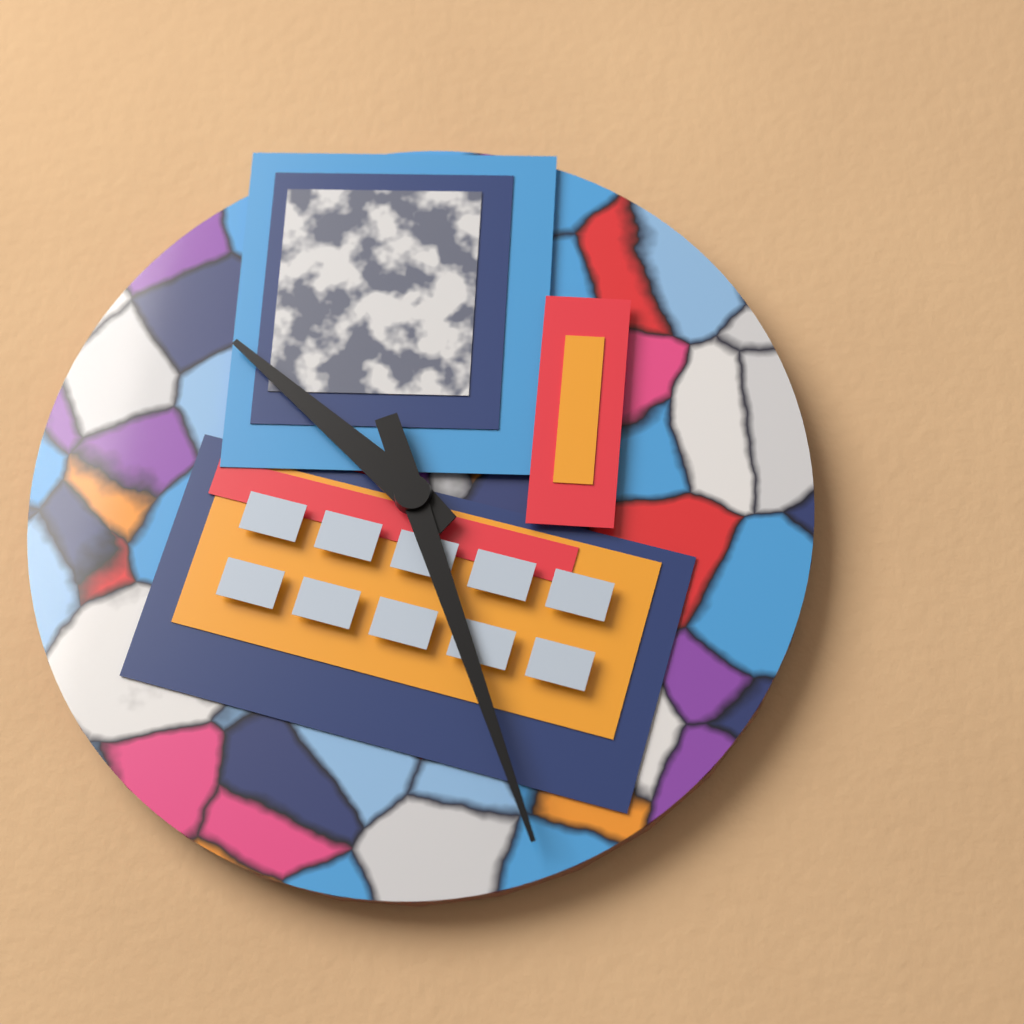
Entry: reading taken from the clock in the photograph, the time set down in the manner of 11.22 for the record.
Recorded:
10.27
